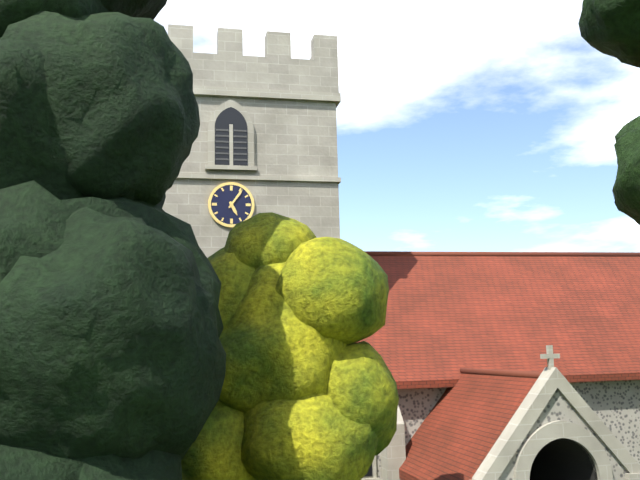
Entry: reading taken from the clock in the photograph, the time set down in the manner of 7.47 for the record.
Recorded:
5.06
